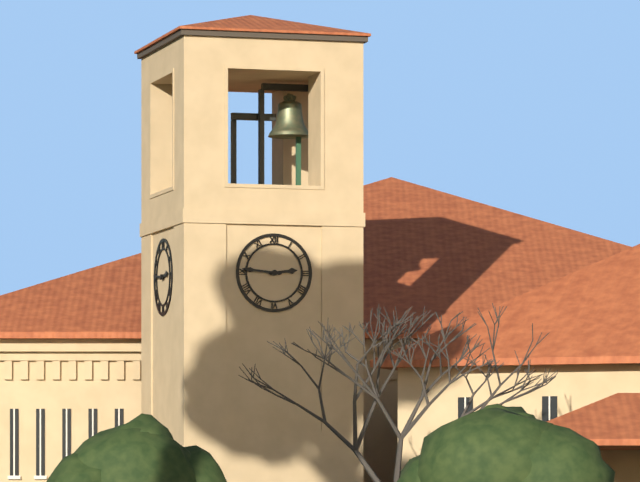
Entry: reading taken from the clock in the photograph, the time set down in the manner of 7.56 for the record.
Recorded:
2.46
